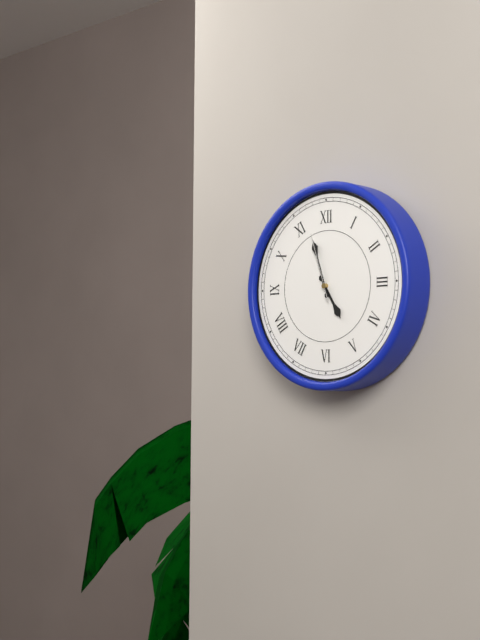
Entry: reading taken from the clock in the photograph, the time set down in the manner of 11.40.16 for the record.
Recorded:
4.57.57
